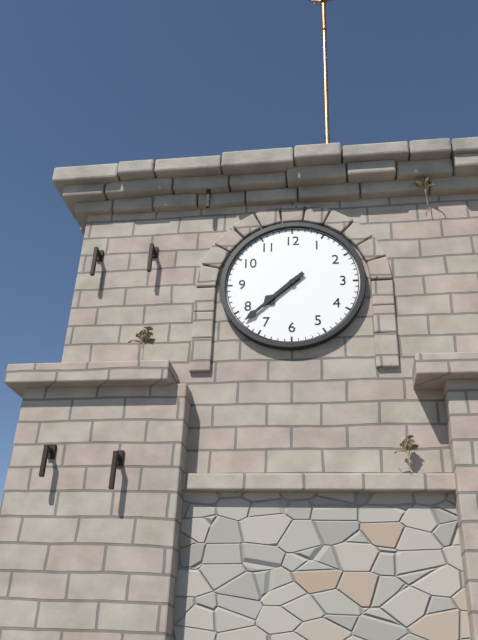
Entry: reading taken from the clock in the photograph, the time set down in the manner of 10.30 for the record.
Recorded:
7.38
